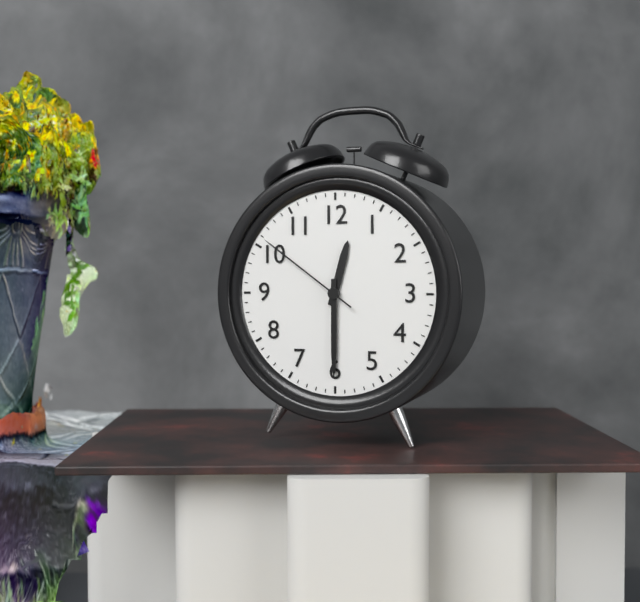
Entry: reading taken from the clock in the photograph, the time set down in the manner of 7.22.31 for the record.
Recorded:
12.30.51
